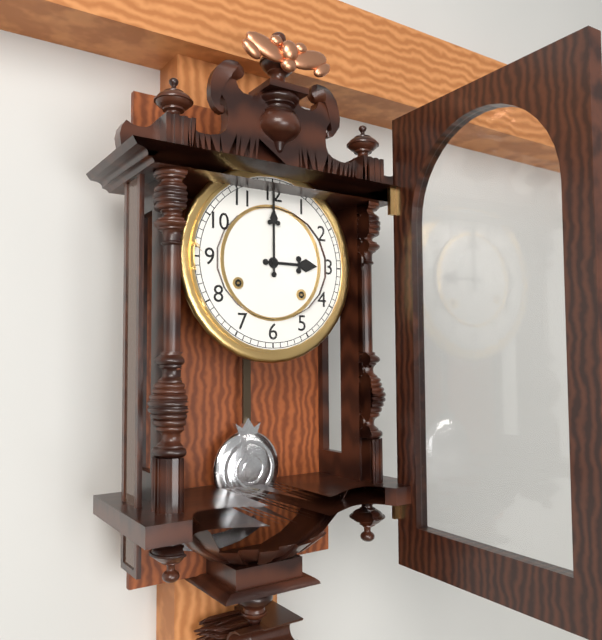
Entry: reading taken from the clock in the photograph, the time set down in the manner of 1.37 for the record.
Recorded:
3.00
